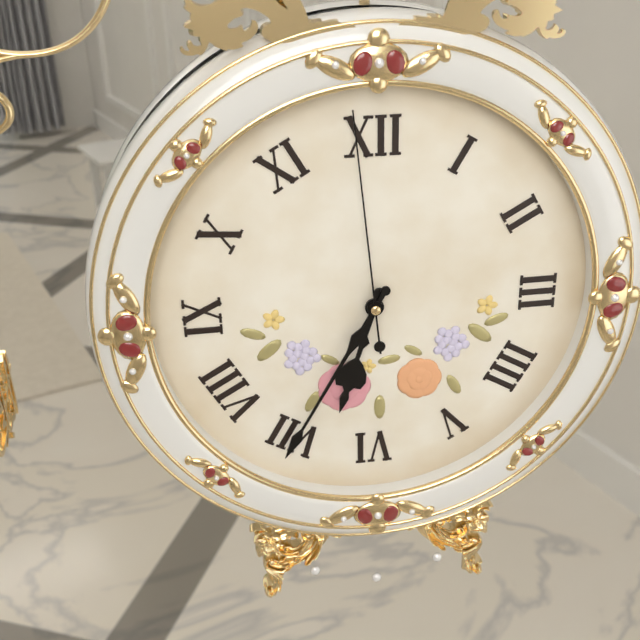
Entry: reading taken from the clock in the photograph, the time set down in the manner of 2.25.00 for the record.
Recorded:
6.35.59
